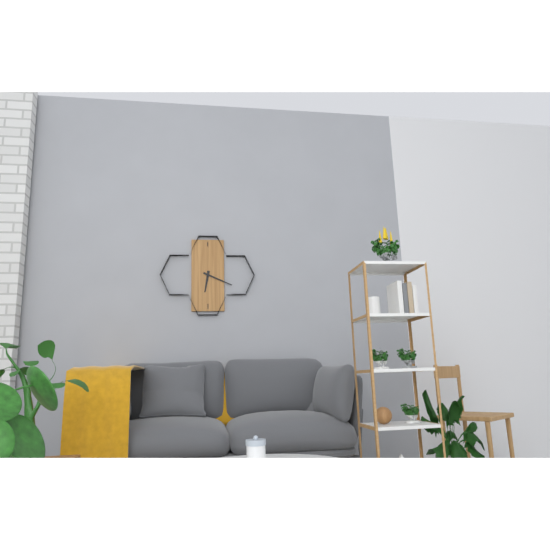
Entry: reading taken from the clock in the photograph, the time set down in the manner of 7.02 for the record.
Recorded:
6.19
